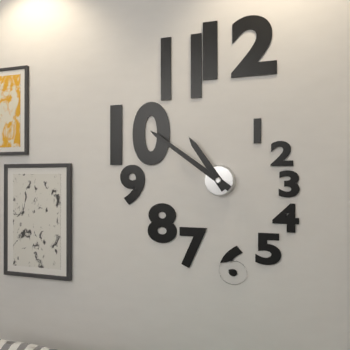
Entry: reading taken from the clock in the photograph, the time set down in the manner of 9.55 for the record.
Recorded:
10.51
